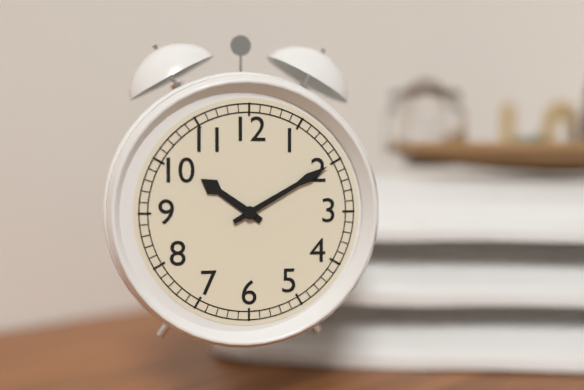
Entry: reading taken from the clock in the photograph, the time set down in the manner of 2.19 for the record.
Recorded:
10.10
